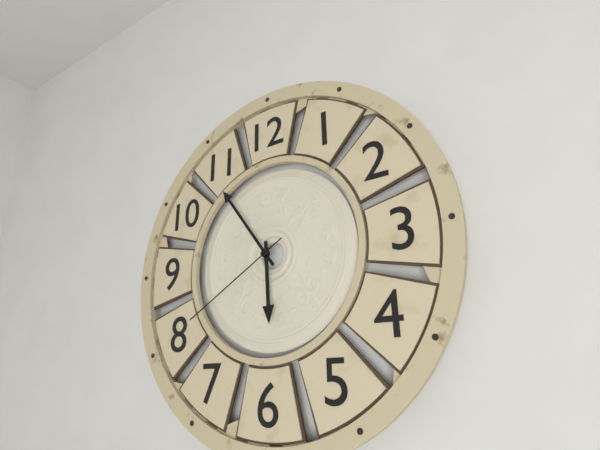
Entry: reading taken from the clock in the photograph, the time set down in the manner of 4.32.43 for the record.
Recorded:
5.54.40
